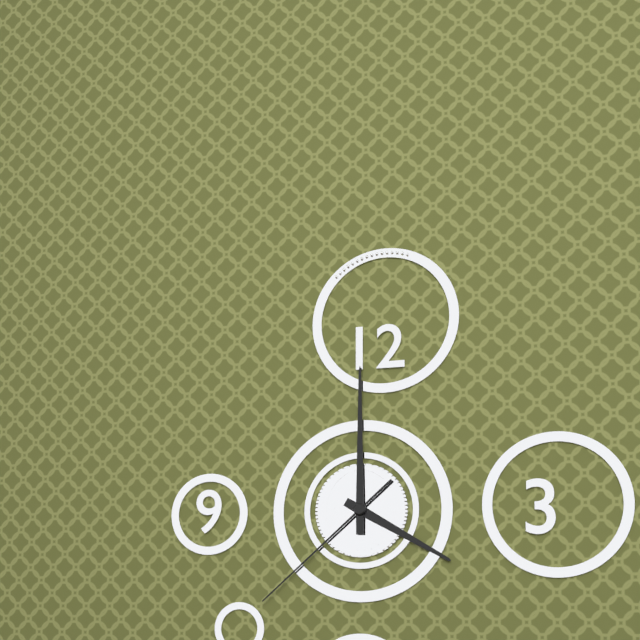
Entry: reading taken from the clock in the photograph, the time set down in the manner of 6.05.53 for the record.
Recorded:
4.00.38
